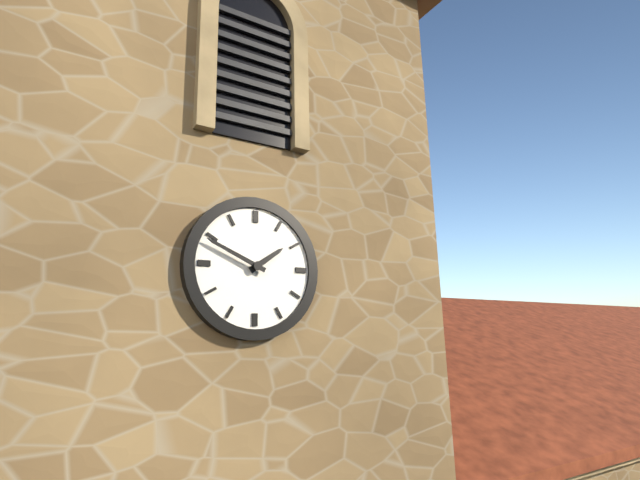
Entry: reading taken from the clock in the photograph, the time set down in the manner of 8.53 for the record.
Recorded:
1.49
